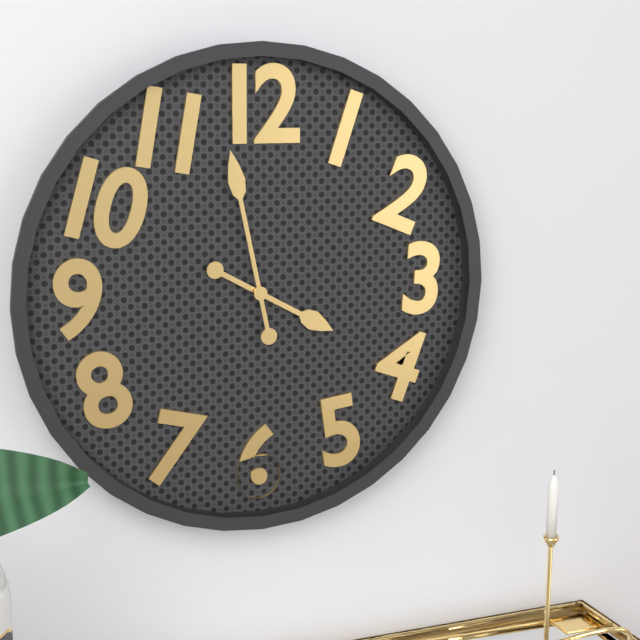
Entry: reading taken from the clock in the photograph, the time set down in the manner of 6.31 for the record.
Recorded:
3.58
